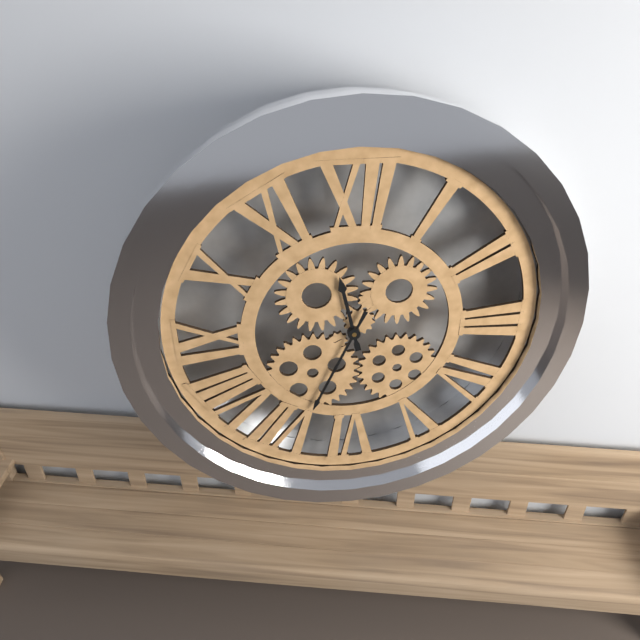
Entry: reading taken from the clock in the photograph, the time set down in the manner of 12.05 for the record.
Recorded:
11.34
